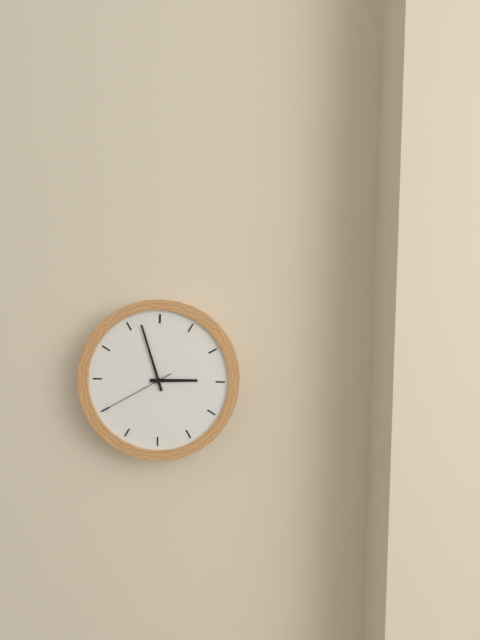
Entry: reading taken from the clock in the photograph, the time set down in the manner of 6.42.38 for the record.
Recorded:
2.57.40
